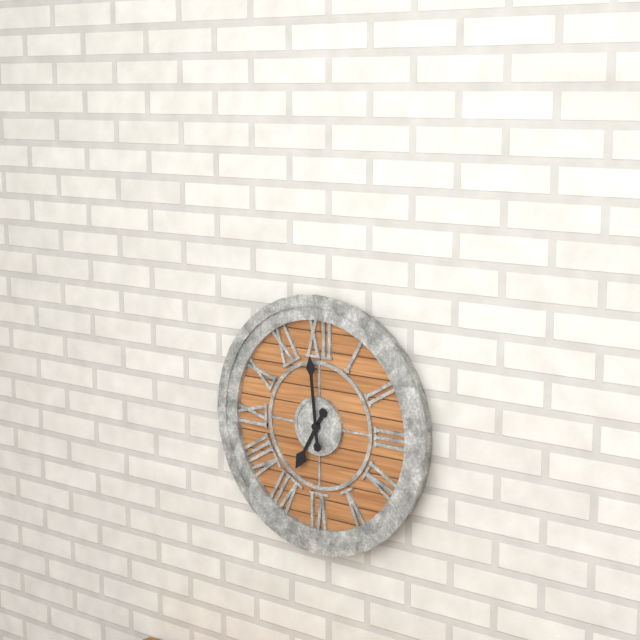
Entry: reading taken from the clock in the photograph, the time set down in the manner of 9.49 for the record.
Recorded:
6.59
